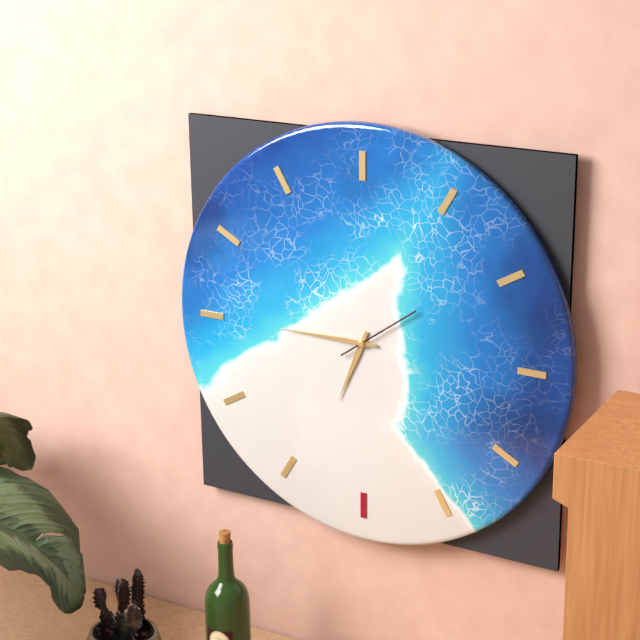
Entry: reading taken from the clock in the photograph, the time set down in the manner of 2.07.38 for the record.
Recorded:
6.45.09
